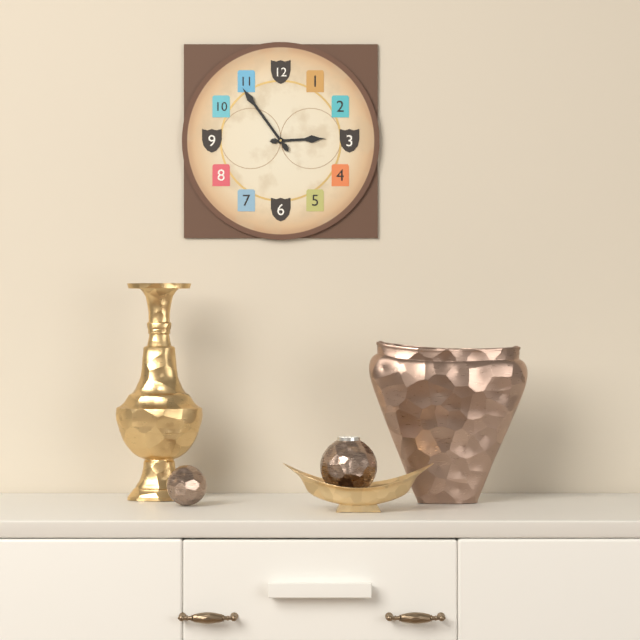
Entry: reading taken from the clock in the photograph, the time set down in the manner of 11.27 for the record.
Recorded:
2.54
